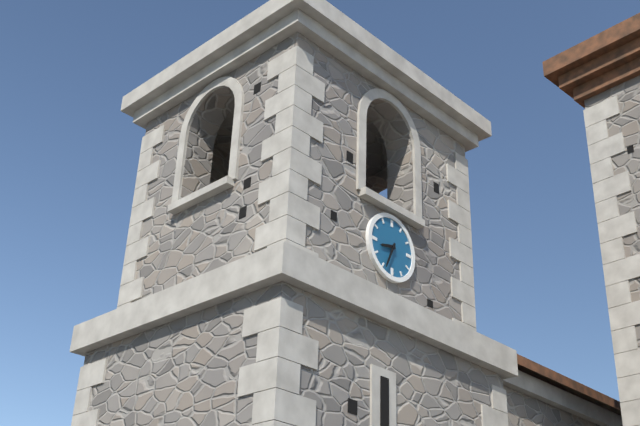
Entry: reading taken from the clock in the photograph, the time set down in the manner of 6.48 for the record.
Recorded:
8.34
